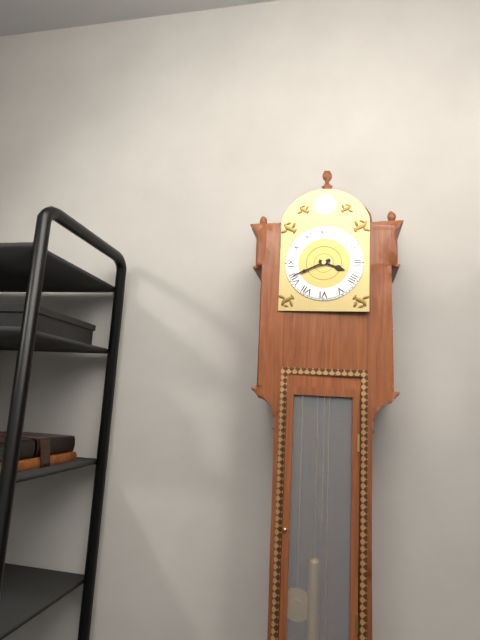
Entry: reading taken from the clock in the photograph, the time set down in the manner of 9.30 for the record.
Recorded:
3.41
